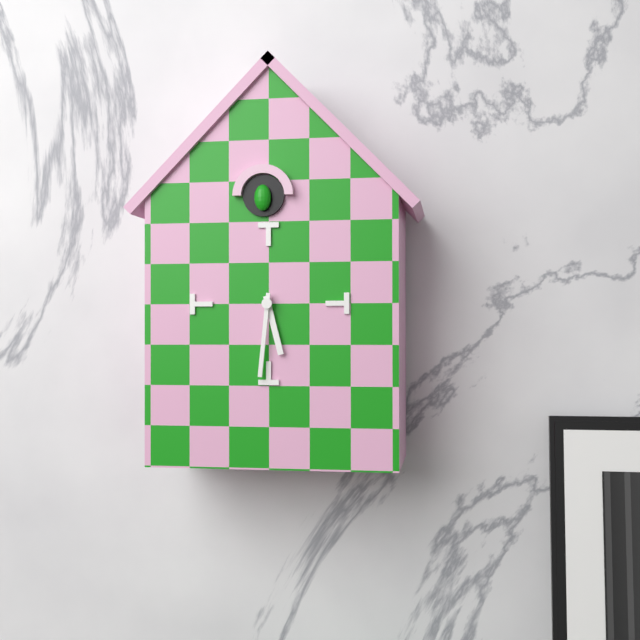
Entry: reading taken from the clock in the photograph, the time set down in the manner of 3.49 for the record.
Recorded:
5.31
